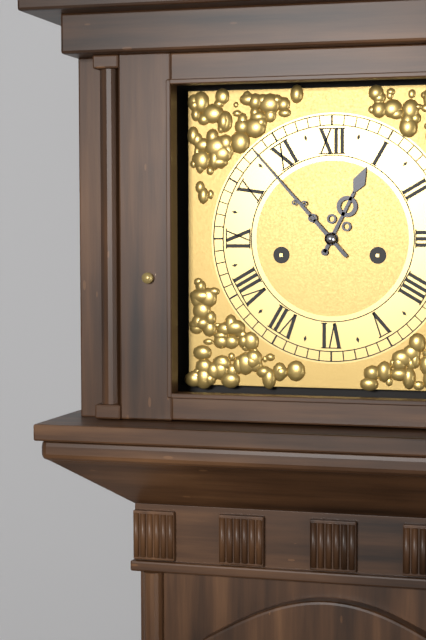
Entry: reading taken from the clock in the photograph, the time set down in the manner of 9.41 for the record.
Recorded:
12.53
